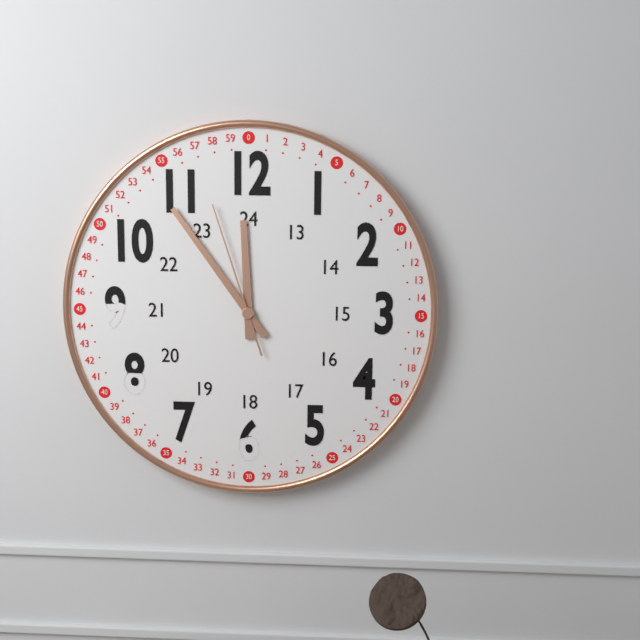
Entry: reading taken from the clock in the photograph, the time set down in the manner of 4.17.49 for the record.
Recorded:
11.54.57
